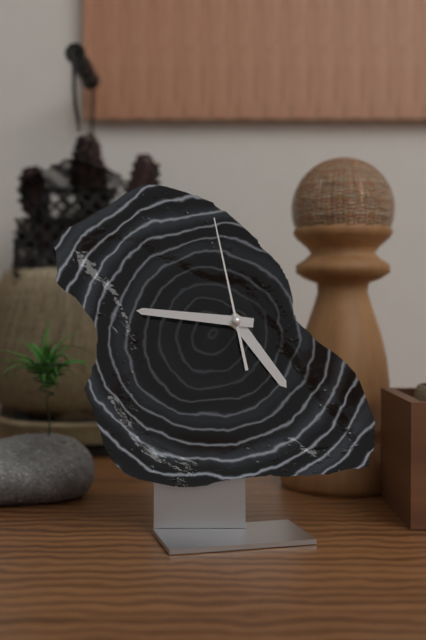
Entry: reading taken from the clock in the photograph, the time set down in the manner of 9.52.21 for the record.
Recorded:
4.46.58
